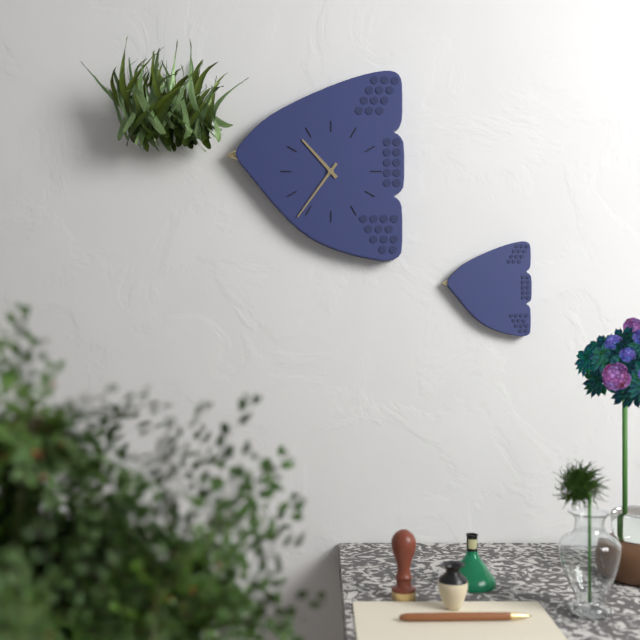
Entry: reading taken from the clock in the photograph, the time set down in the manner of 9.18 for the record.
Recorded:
10.36
